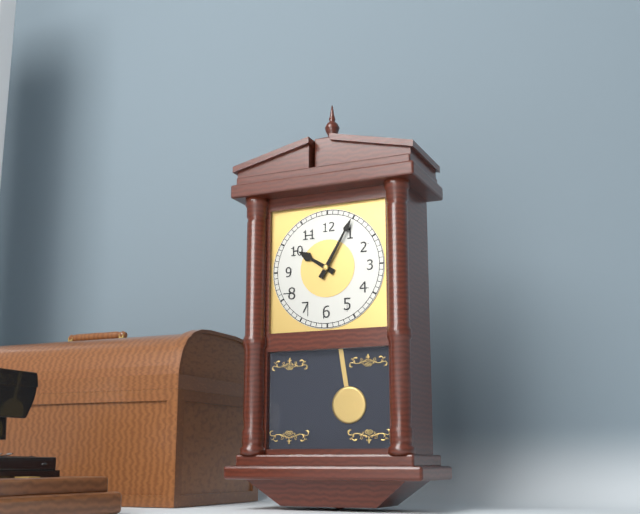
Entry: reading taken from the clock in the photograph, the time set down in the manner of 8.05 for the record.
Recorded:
10.05
